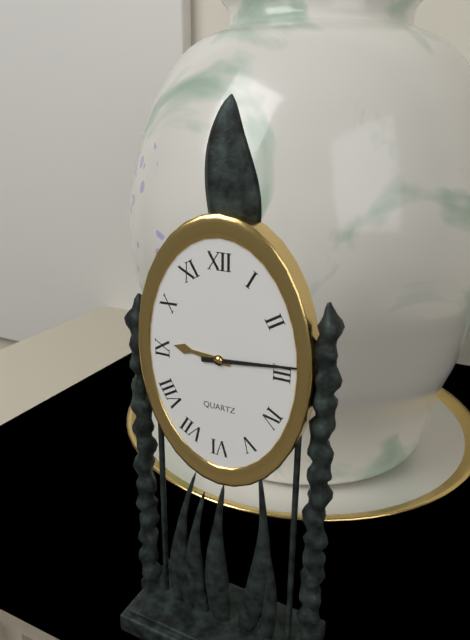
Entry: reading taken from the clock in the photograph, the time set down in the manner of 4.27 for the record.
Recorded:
9.14
